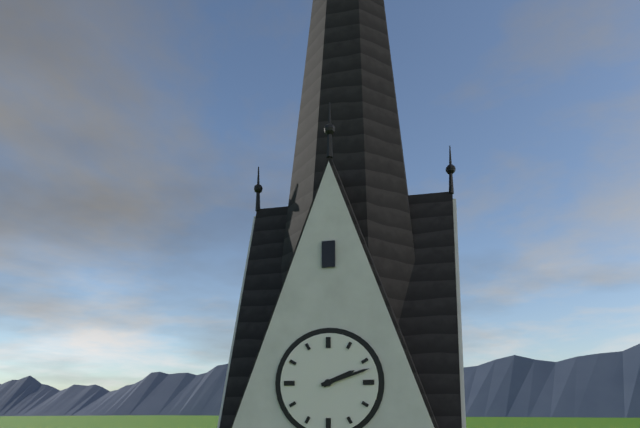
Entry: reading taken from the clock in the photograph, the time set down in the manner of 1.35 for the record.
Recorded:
2.12
